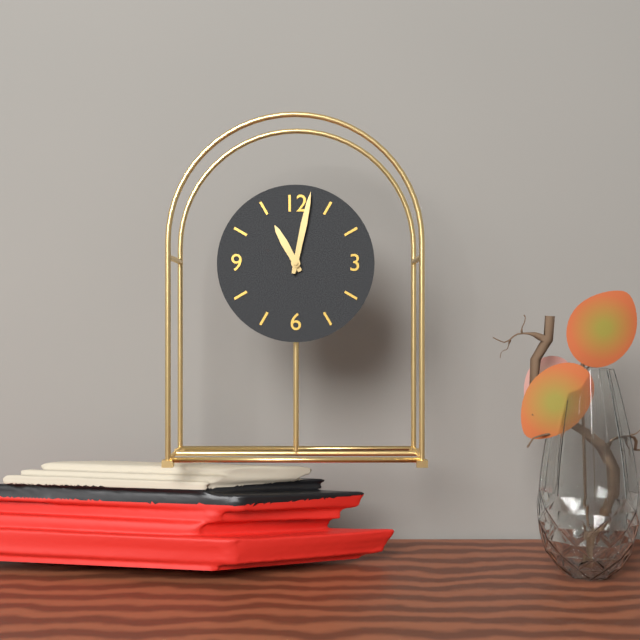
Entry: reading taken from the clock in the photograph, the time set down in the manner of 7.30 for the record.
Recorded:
11.02
